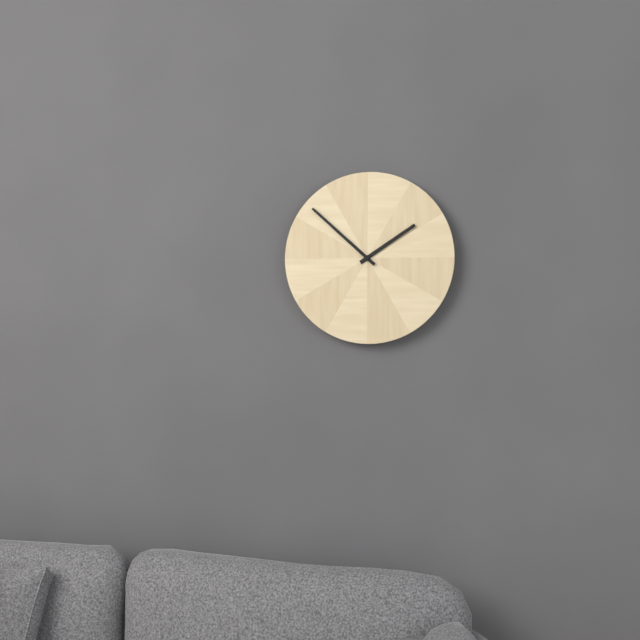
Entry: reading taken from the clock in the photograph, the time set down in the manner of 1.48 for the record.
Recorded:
1.52
